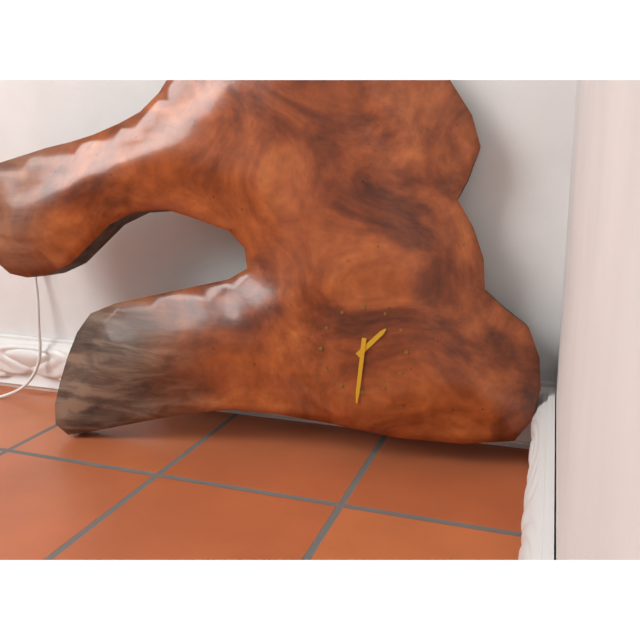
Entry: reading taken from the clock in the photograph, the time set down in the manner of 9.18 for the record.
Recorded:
1.31
